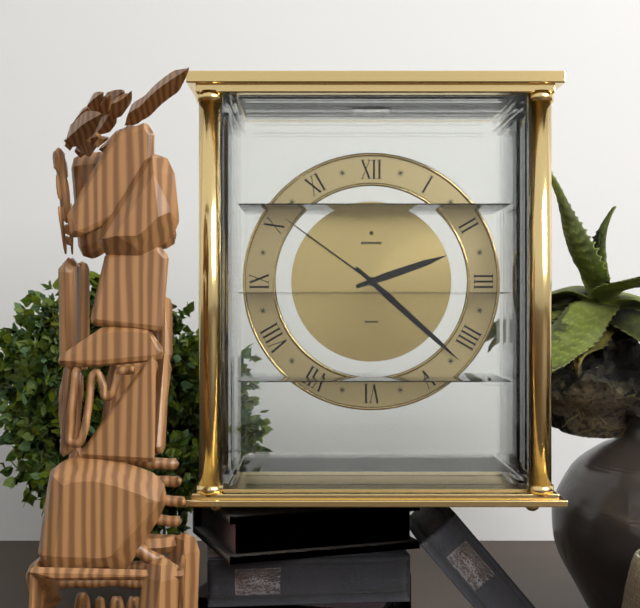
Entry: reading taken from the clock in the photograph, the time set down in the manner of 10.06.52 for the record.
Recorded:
2.22.51
